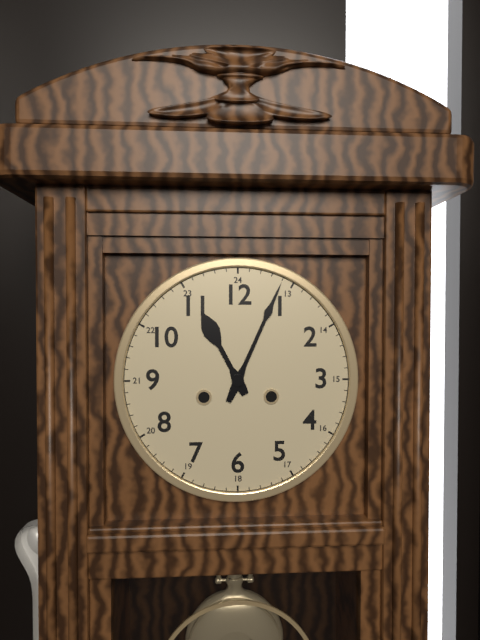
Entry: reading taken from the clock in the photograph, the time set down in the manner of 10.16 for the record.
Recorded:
11.04
